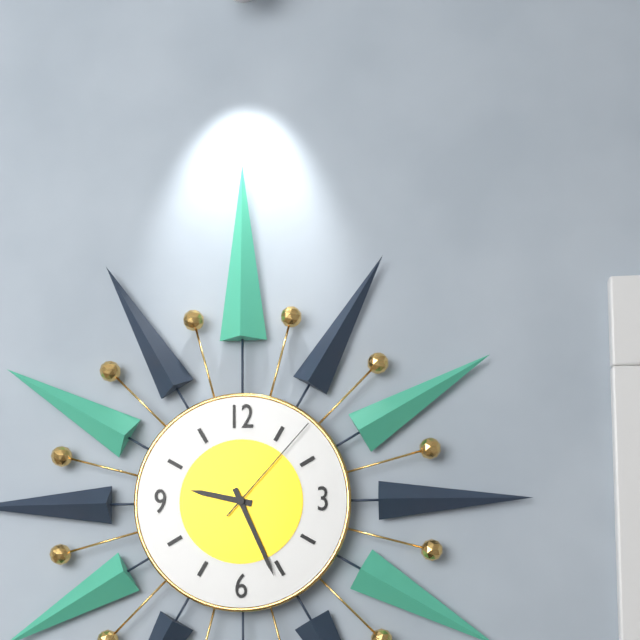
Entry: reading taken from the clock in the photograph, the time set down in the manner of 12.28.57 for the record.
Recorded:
9.26.07
